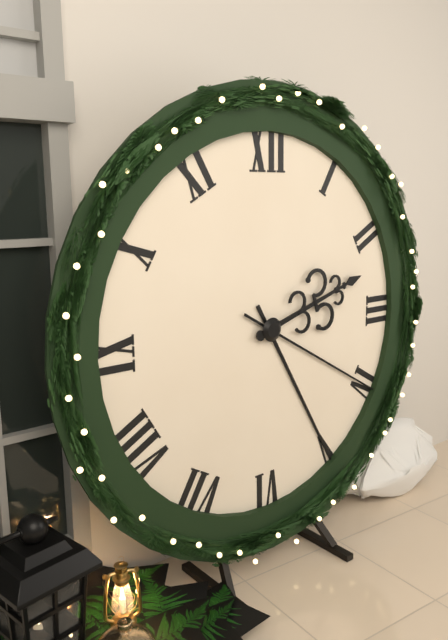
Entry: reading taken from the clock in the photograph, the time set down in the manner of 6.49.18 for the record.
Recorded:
2.25.20
